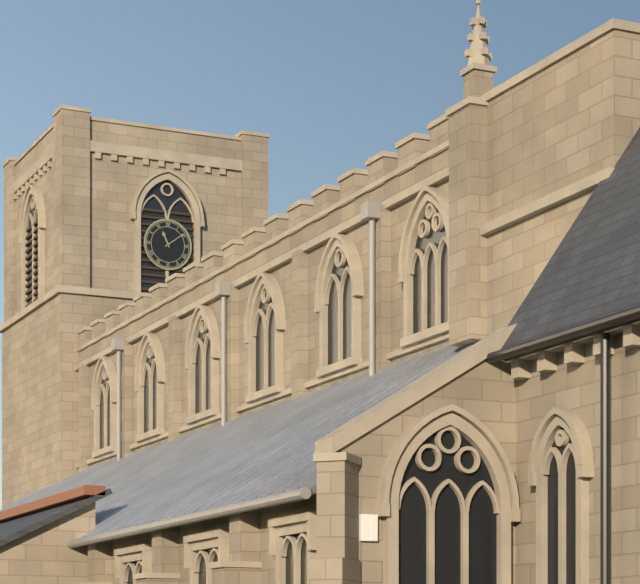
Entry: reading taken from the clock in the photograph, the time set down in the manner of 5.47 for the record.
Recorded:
11.09
